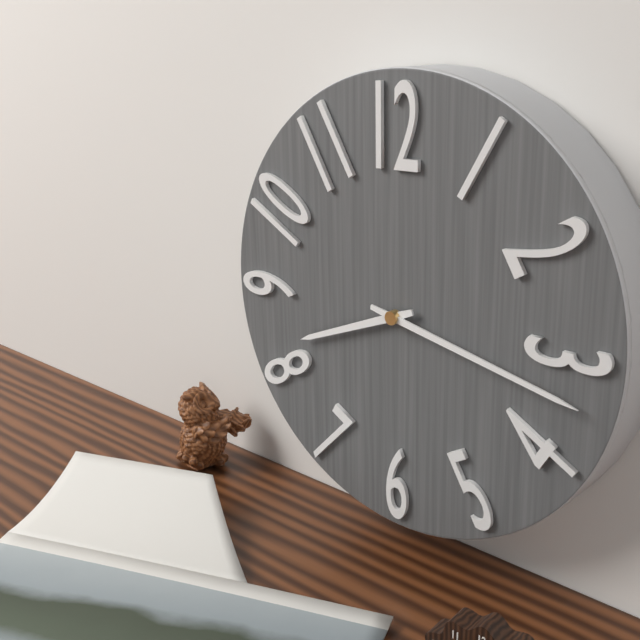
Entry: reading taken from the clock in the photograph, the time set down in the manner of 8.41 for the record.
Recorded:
8.17
